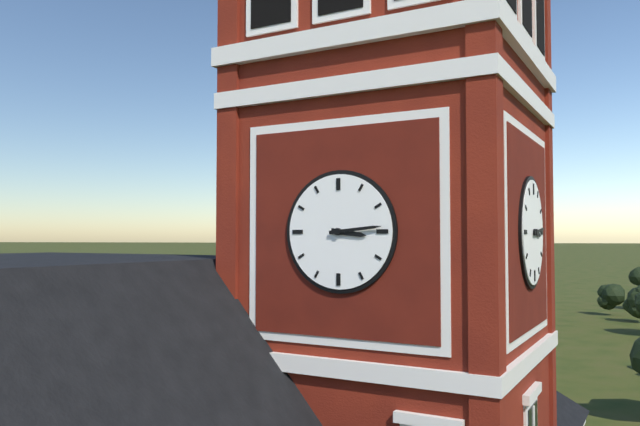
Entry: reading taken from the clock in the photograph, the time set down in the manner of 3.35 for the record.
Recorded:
3.14
